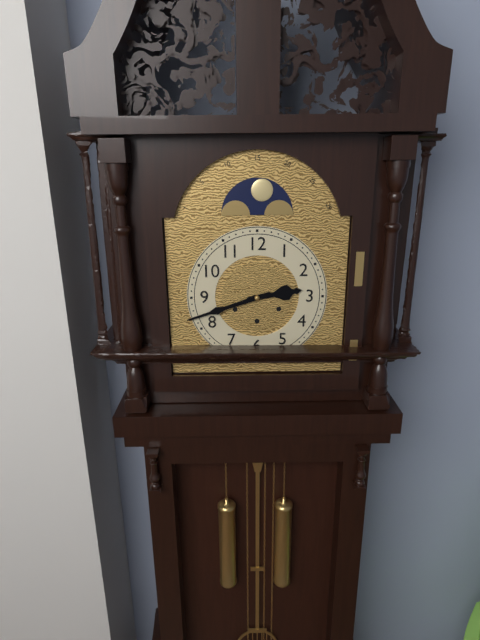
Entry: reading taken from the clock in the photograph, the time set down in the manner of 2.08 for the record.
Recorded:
2.42
